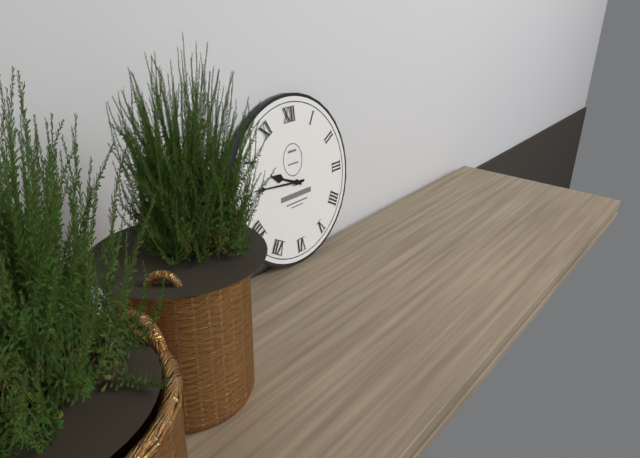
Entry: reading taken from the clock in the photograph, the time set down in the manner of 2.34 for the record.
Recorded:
9.46
